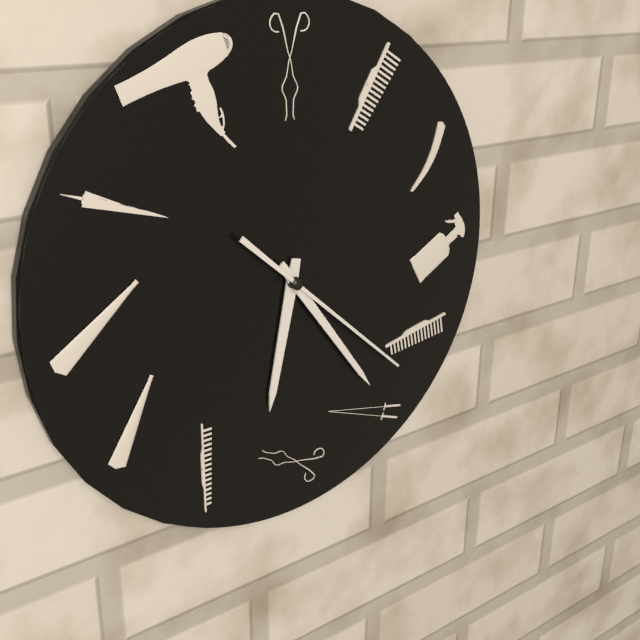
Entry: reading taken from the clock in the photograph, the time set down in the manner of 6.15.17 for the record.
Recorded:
6.24.22
